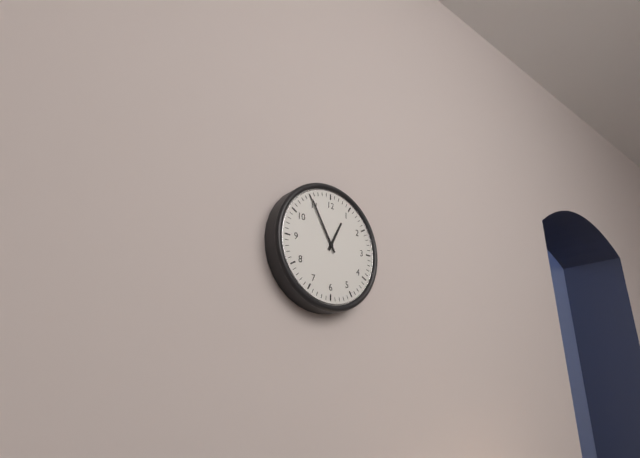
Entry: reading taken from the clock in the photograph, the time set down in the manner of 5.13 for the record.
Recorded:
12.55
